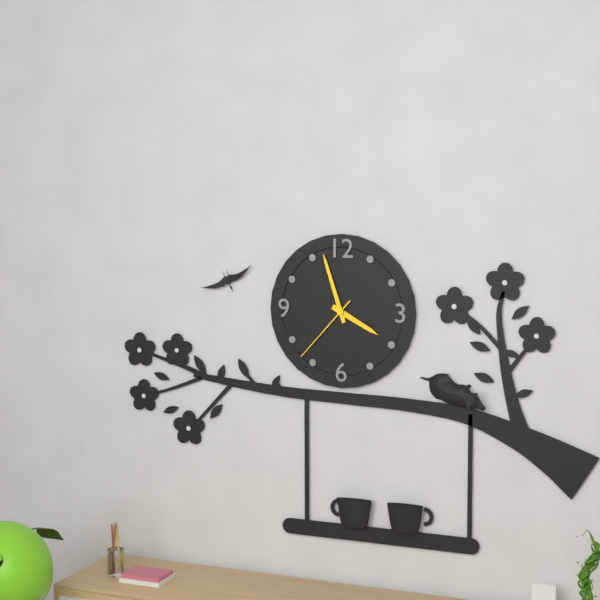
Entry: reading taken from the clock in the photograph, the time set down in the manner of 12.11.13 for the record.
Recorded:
3.57.37
